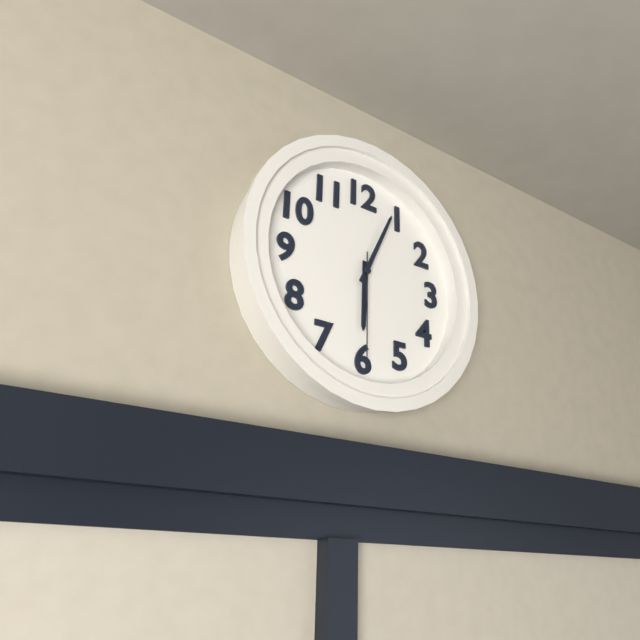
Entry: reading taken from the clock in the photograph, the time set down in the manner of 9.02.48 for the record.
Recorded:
6.04.30
